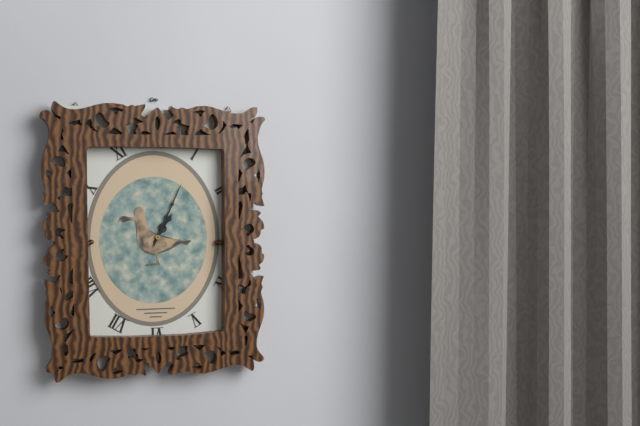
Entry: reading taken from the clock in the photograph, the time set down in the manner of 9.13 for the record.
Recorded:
1.04
